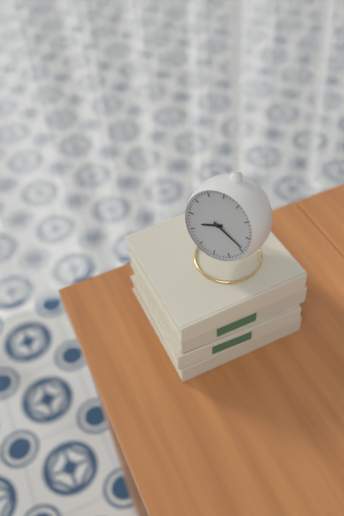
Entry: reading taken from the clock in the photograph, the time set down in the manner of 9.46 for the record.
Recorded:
8.19
